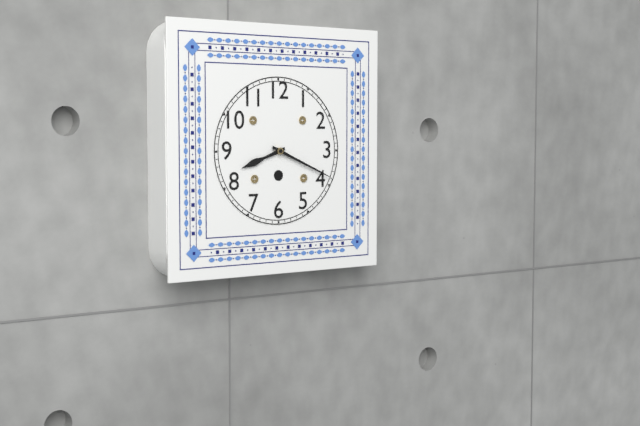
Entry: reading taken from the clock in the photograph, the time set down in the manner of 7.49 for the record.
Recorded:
8.19
